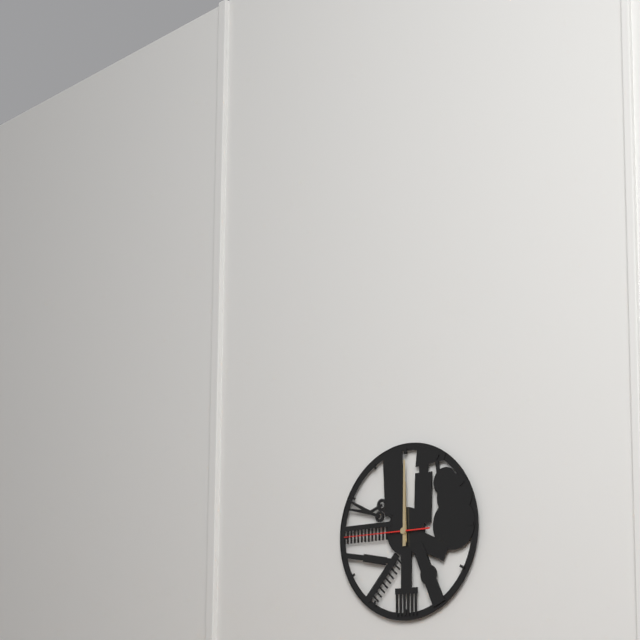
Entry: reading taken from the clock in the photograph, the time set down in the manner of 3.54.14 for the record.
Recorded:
12.00.45
